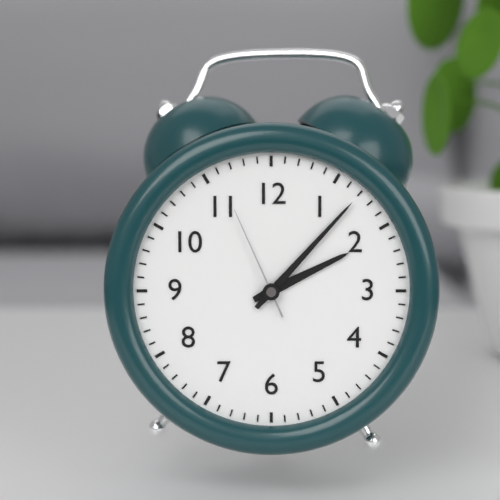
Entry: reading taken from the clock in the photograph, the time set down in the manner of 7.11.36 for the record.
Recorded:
2.07.56
